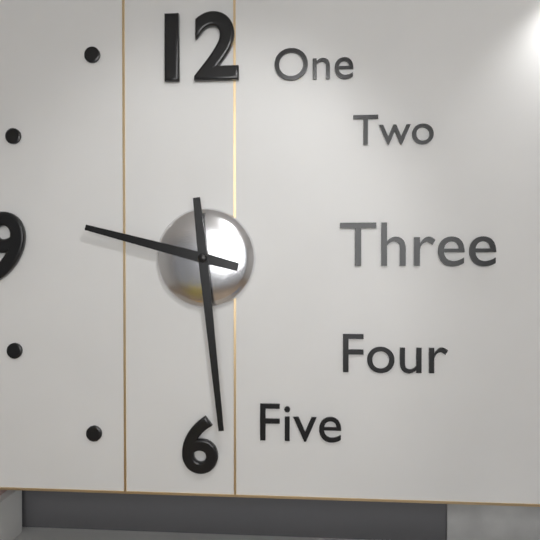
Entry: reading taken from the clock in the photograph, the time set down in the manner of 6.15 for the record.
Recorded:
9.29
